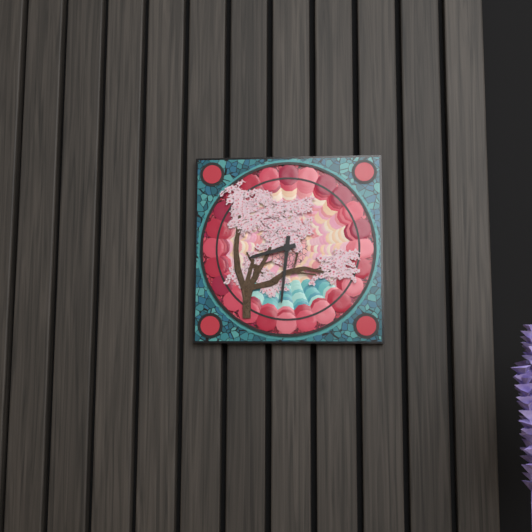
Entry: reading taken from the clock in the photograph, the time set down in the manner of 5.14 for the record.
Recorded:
8.31
